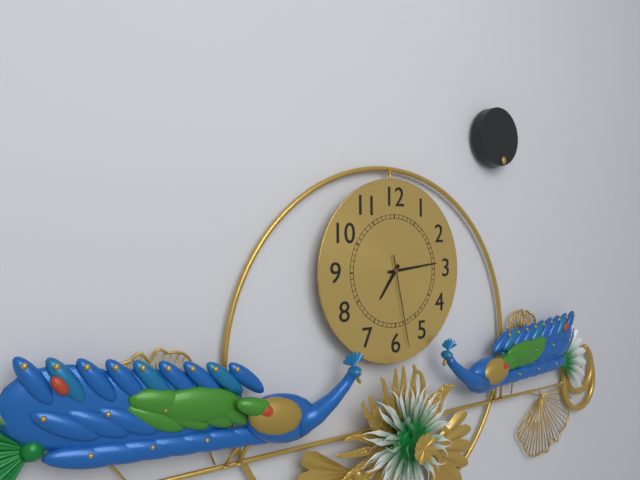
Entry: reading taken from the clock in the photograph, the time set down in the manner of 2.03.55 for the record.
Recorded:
7.14.28
